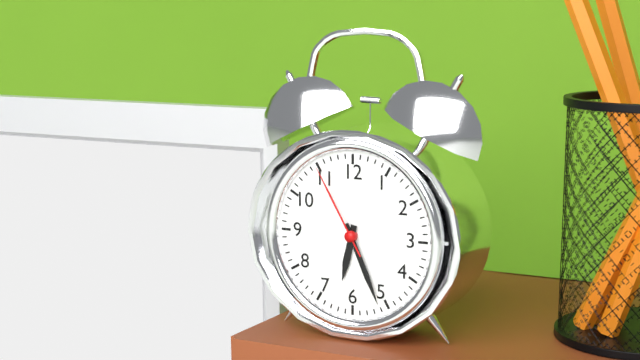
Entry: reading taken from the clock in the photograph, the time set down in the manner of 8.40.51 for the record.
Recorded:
6.26.55
